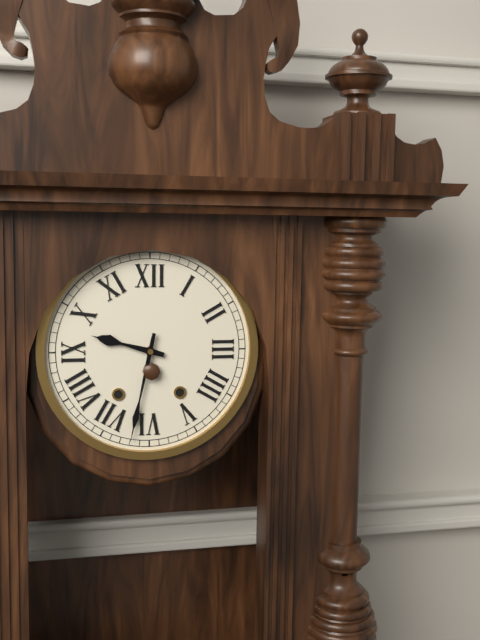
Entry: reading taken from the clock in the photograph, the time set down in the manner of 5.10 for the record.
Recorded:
9.32
